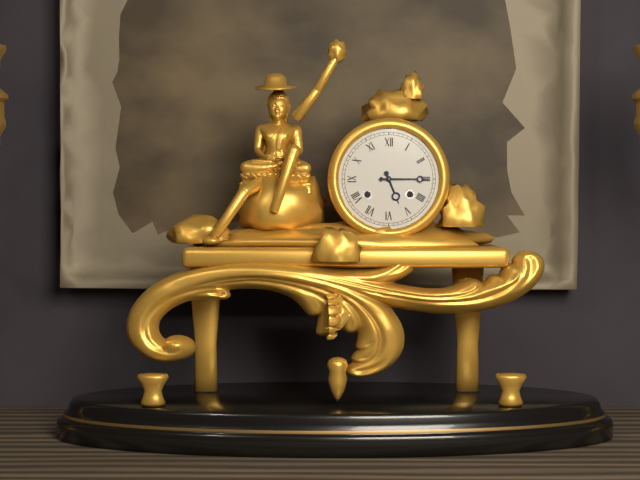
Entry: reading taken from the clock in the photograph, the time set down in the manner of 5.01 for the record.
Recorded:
5.15
